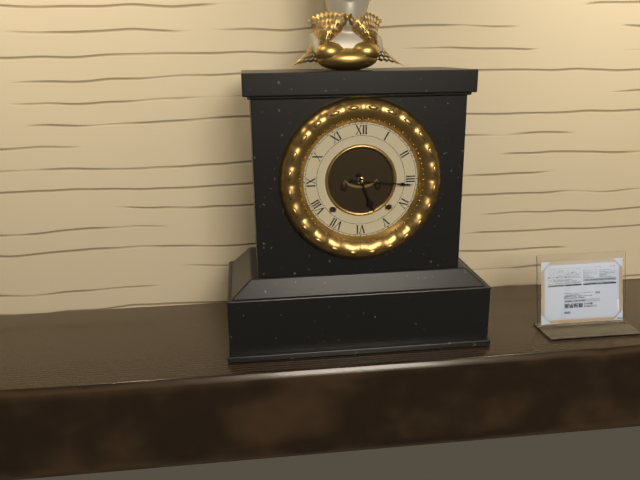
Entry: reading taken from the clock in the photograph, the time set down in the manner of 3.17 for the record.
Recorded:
5.16
